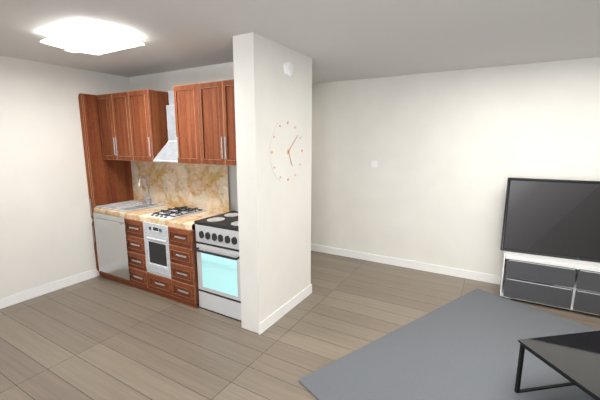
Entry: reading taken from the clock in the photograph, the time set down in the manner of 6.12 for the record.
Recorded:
5.08
